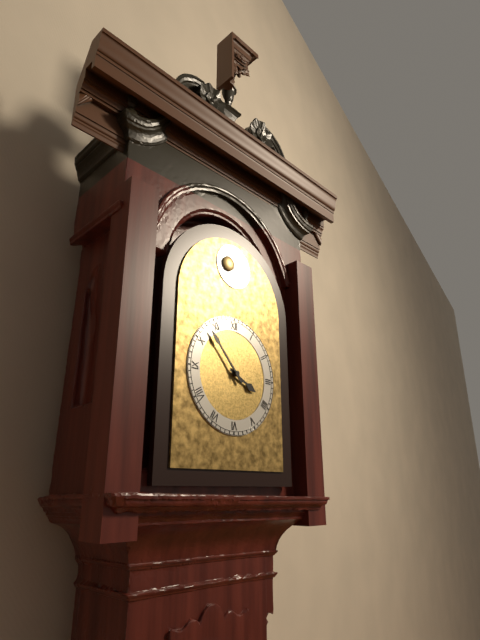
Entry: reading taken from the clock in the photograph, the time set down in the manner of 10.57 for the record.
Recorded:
3.53
